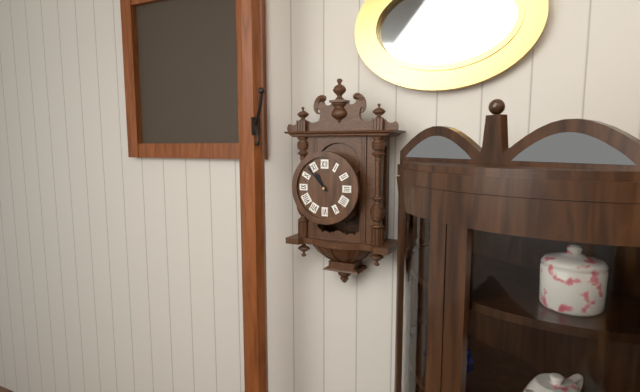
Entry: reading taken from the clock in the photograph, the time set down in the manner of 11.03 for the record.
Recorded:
10.53
